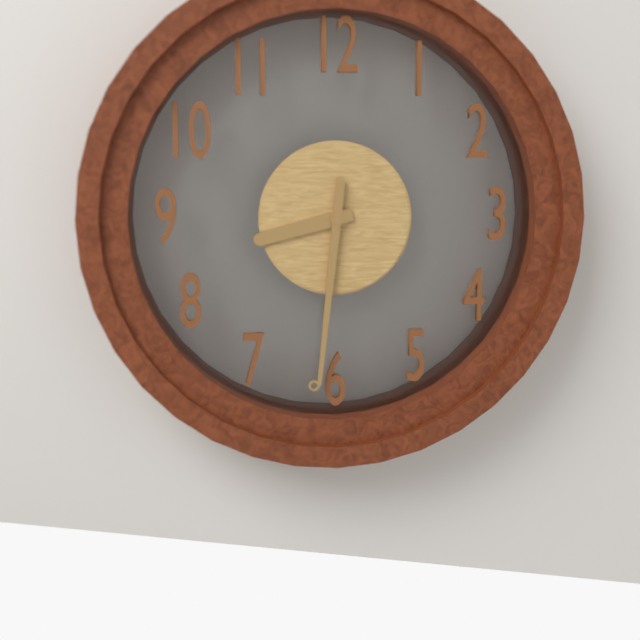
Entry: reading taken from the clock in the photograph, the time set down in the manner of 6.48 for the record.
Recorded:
8.31
